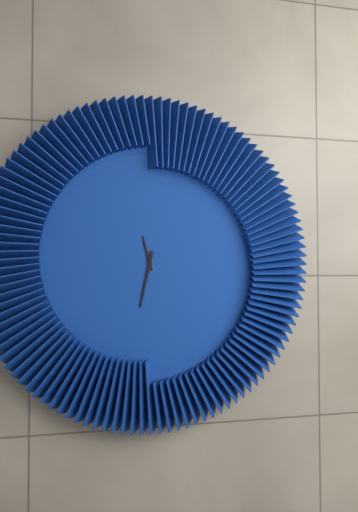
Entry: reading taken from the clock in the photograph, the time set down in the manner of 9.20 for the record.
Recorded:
11.32
